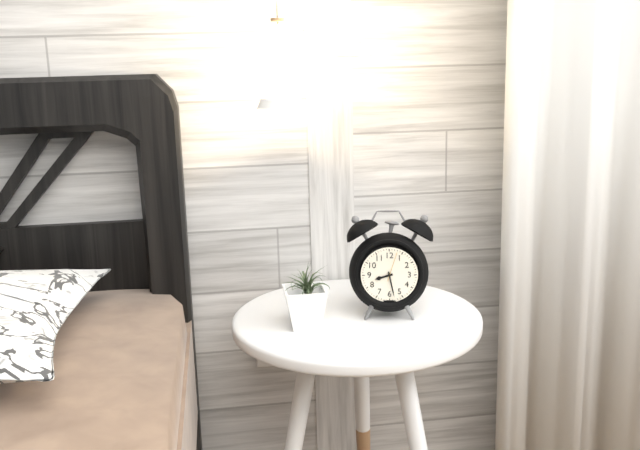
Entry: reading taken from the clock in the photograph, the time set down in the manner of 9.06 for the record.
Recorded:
8.28
